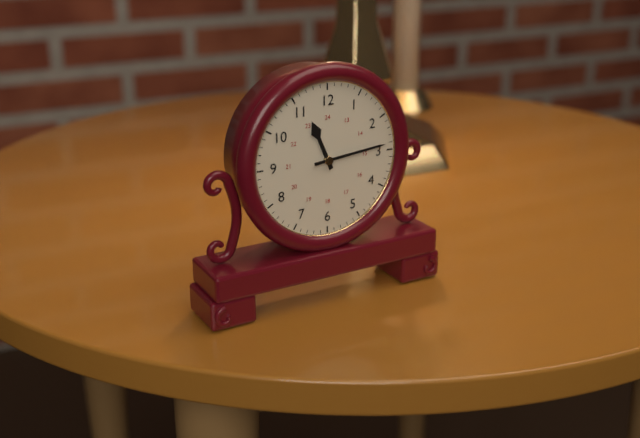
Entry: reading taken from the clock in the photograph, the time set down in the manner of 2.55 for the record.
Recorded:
11.14
